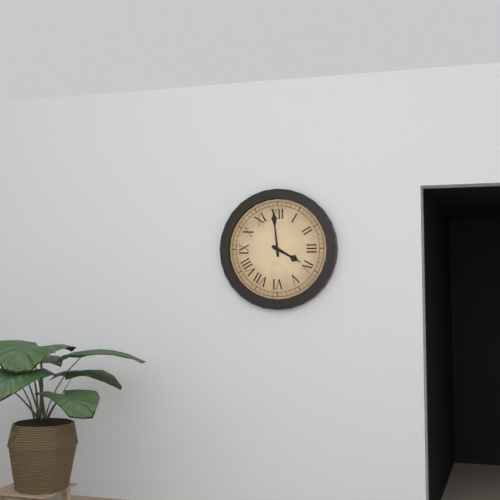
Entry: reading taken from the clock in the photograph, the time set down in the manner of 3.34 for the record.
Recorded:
3.59
